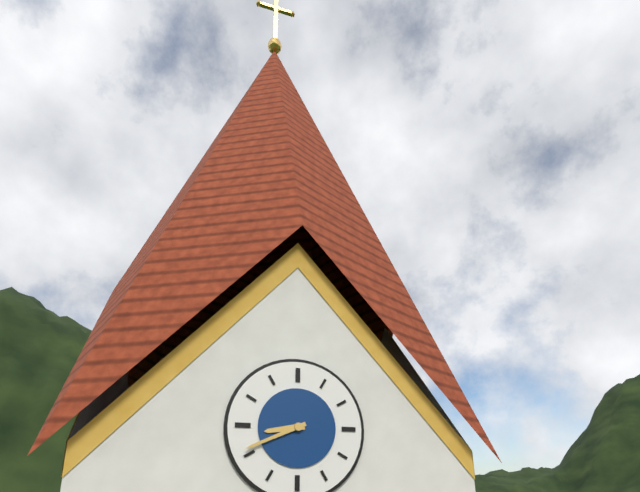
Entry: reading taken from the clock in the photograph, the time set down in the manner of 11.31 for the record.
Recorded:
8.41
